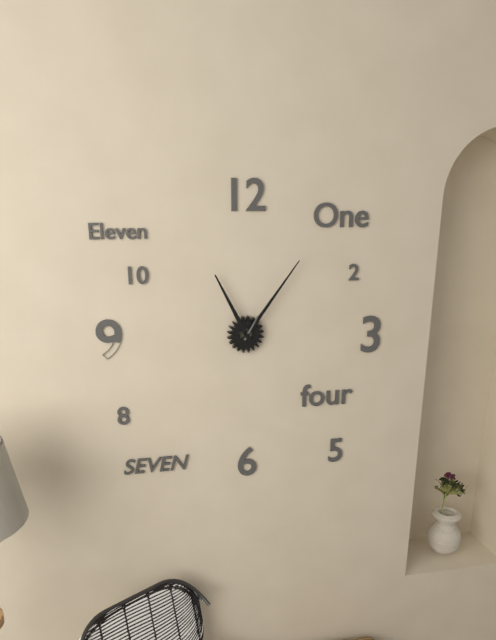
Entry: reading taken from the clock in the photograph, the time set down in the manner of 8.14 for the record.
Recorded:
11.06
